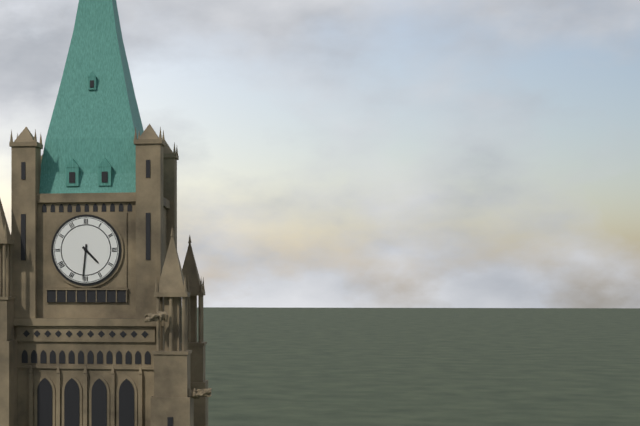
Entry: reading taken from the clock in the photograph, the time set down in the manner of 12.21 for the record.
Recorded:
4.31
